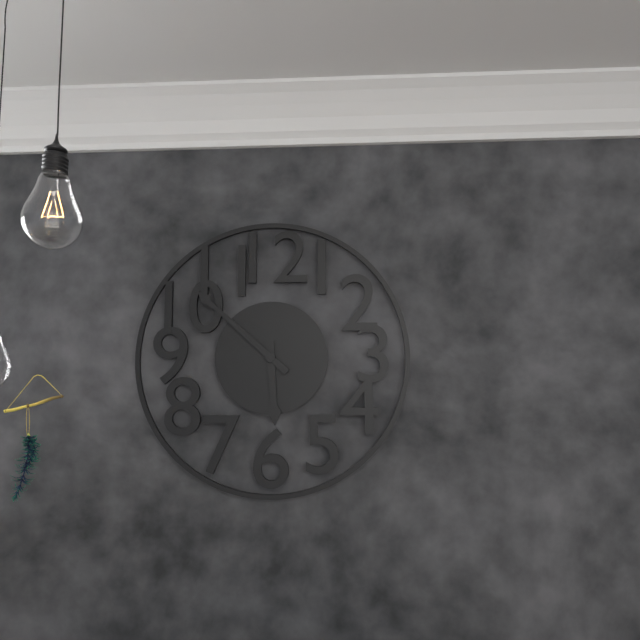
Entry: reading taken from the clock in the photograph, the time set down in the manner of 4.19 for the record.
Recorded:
5.52
